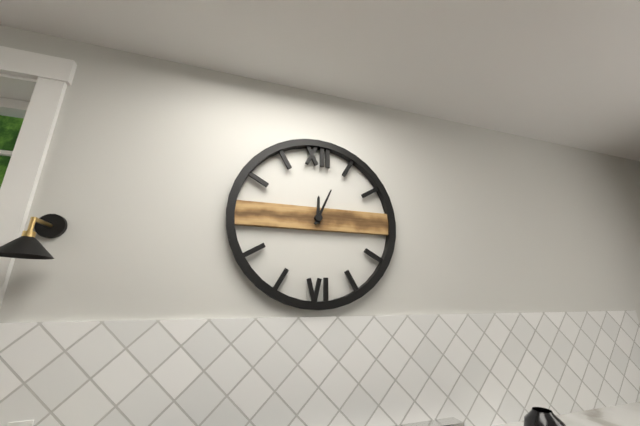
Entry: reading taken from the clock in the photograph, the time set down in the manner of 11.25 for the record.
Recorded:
12.04
